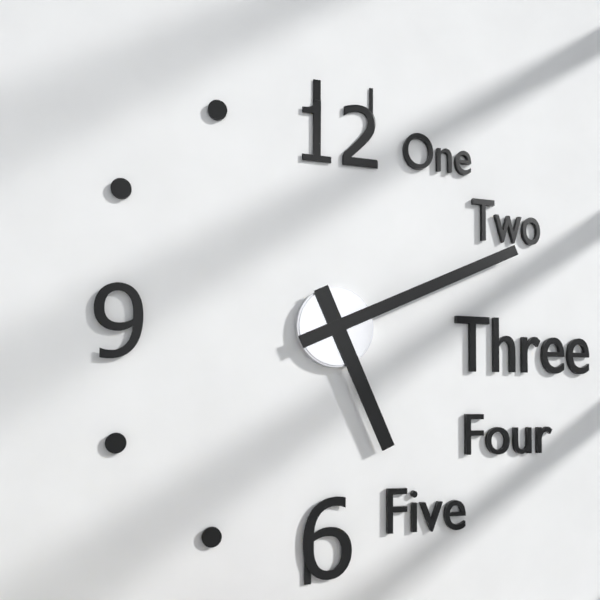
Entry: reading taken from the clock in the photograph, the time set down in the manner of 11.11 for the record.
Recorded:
5.11
